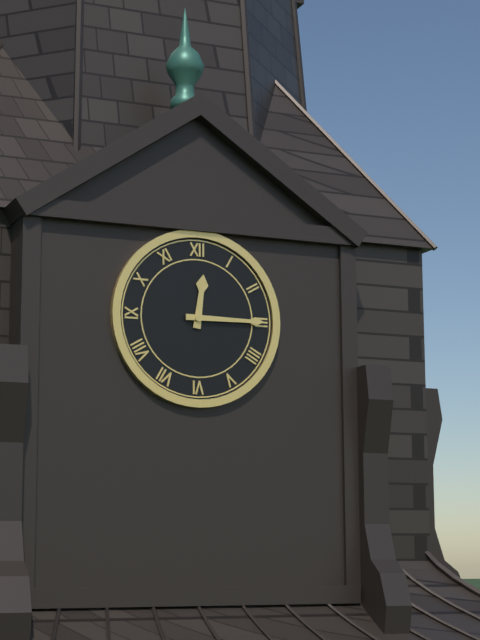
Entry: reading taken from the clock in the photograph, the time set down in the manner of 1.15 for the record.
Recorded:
12.15
